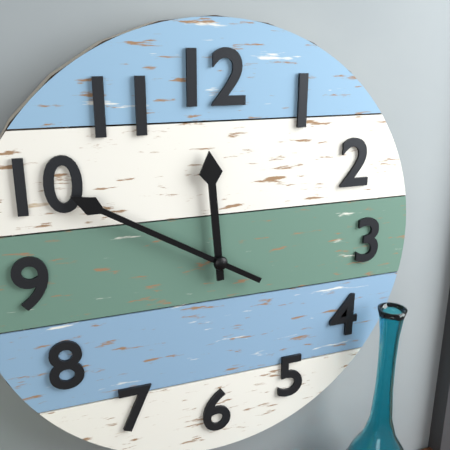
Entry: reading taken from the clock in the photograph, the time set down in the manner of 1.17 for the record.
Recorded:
11.50
